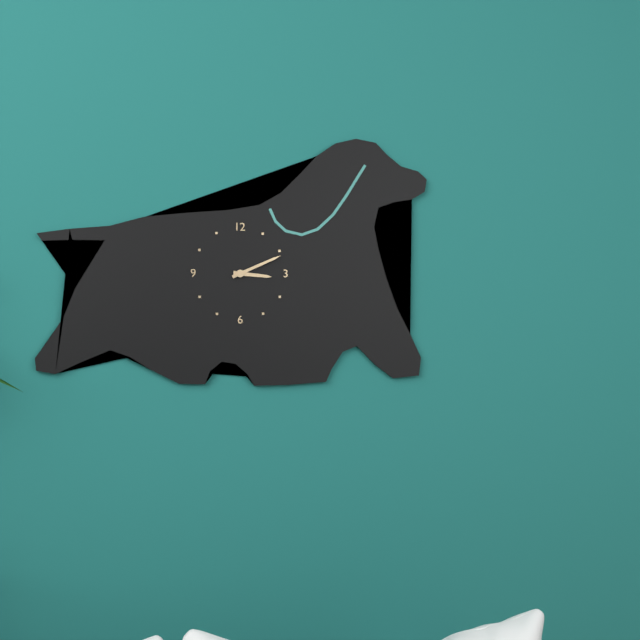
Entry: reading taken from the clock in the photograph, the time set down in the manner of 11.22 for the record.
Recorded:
3.11
